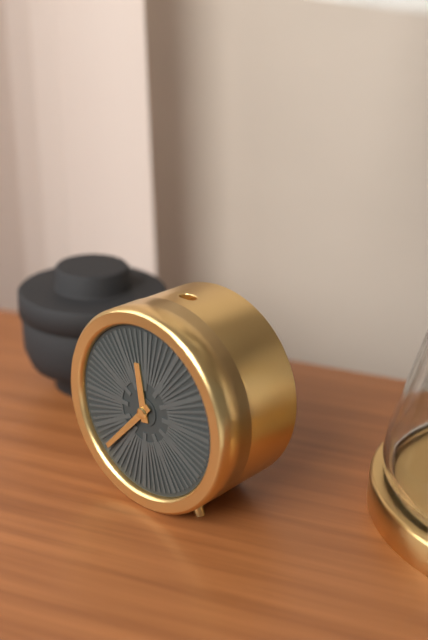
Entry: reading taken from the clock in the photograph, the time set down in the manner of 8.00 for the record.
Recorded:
11.37
